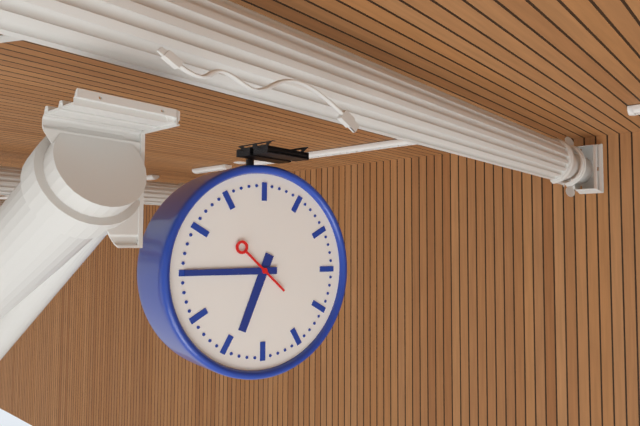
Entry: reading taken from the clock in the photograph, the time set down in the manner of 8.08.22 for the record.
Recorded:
6.45.52
